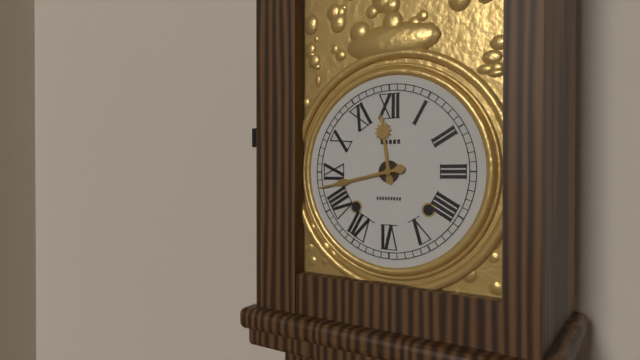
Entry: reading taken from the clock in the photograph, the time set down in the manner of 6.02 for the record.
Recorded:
11.43
